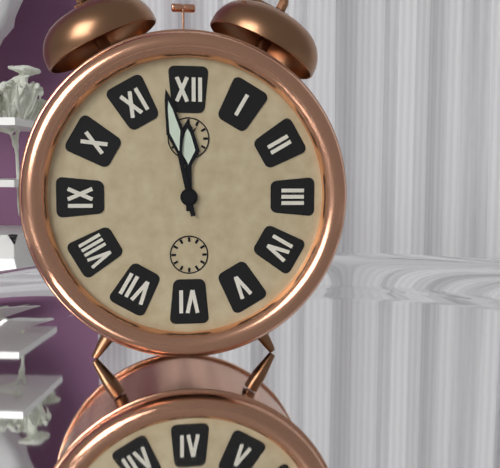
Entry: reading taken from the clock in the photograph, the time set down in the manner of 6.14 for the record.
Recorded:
11.58
